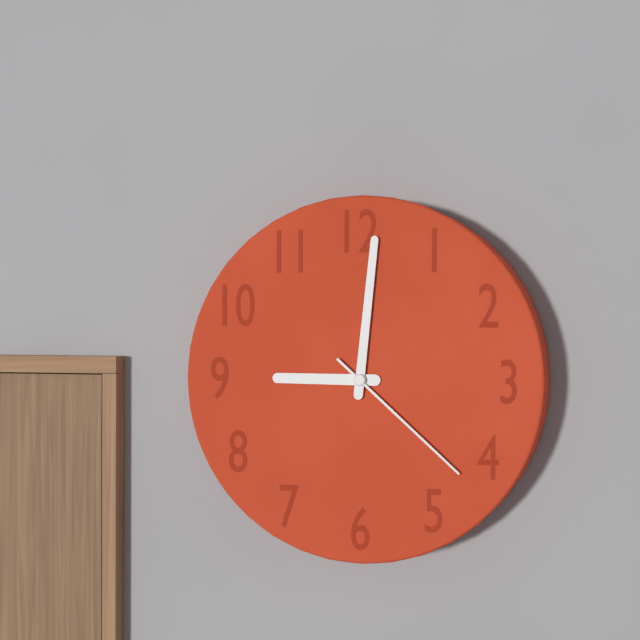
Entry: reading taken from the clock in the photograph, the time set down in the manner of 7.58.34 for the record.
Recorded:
9.01.22
